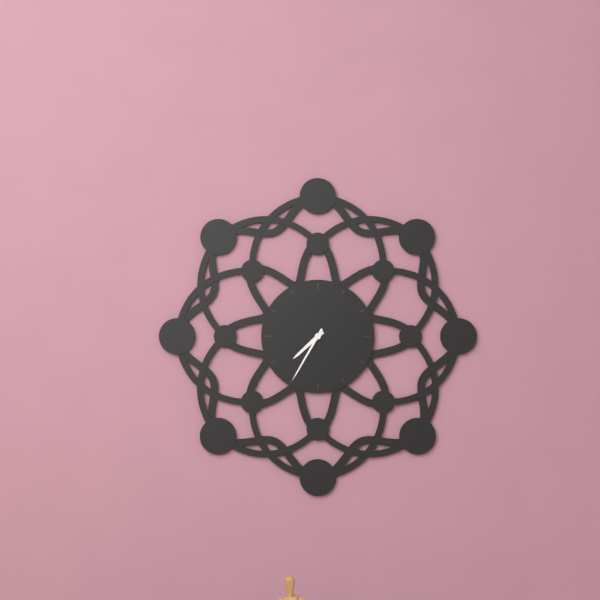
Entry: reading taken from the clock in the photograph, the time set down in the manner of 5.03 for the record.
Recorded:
7.35
